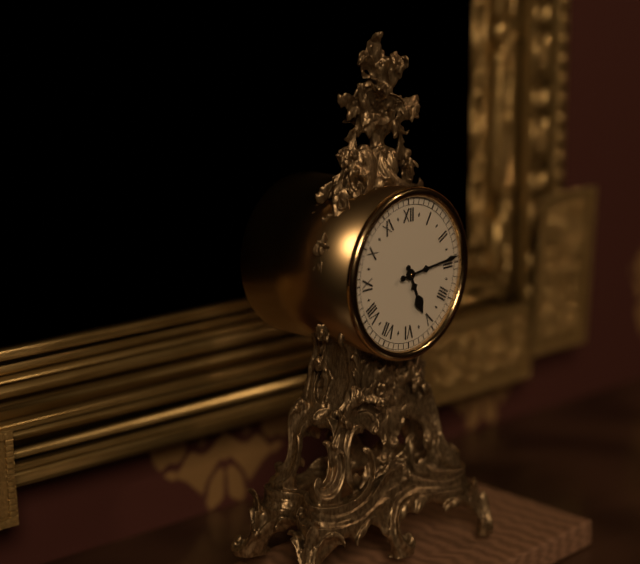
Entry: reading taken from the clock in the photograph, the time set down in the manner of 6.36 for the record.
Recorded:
5.14
